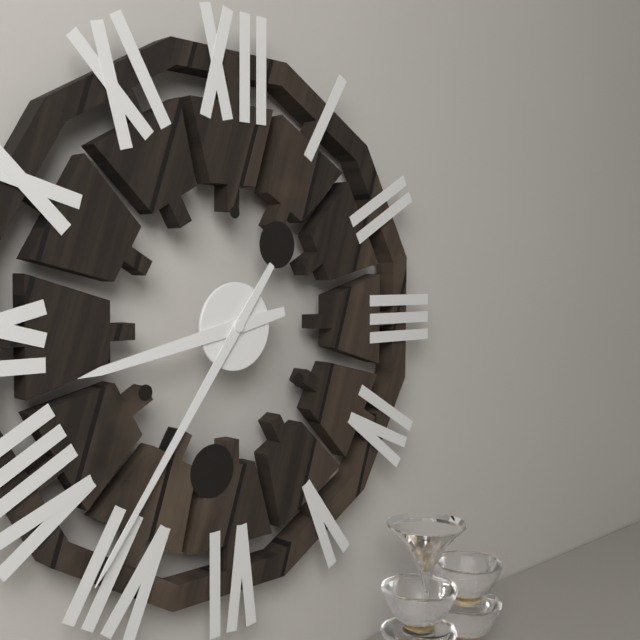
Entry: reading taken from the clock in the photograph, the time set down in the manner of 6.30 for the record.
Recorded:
8.36
